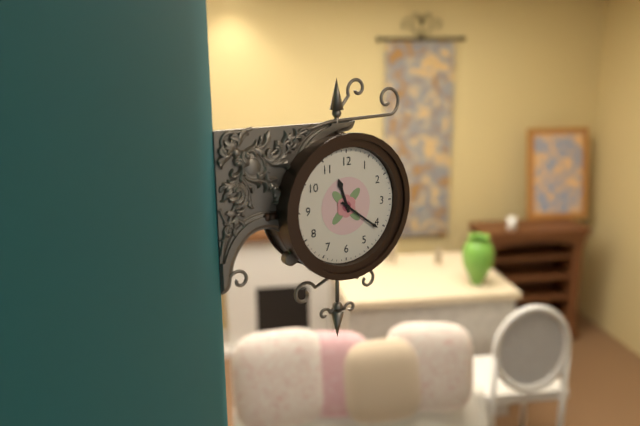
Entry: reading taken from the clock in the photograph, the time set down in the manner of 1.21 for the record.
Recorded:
11.21
